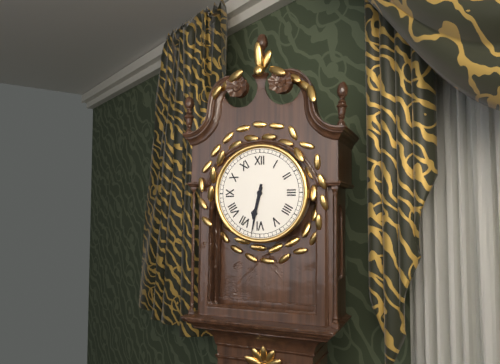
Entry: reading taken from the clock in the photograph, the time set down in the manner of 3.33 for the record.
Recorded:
6.32
